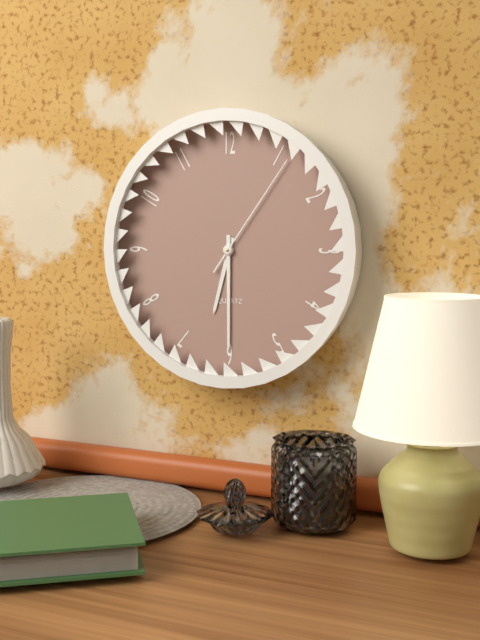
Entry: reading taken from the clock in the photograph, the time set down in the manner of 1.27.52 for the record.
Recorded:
6.30.06
